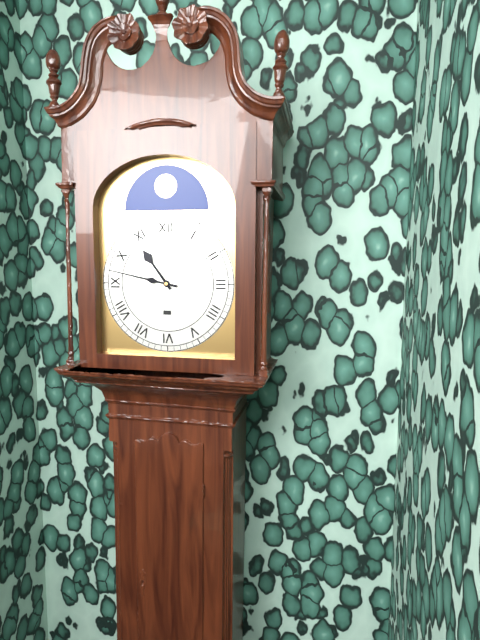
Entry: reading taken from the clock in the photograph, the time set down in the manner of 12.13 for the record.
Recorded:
10.47
